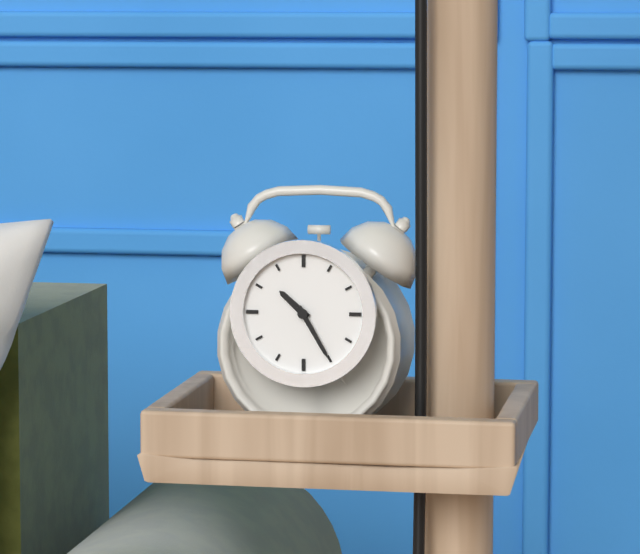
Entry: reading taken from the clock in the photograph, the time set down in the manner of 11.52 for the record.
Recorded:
10.25
